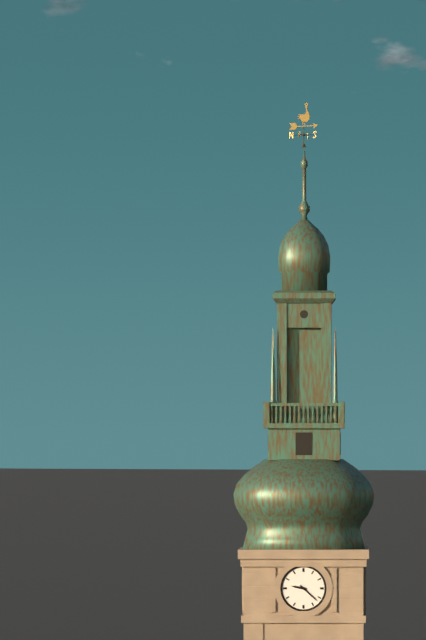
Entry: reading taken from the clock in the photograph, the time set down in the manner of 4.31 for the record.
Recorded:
9.22
